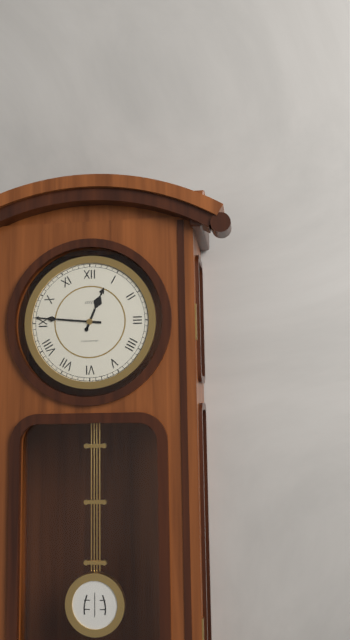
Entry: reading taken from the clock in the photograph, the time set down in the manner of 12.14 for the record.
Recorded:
12.46
